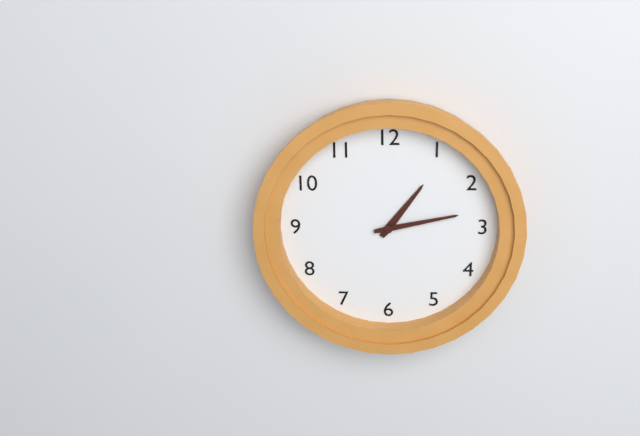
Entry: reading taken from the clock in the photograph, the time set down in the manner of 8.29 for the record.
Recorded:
1.13
